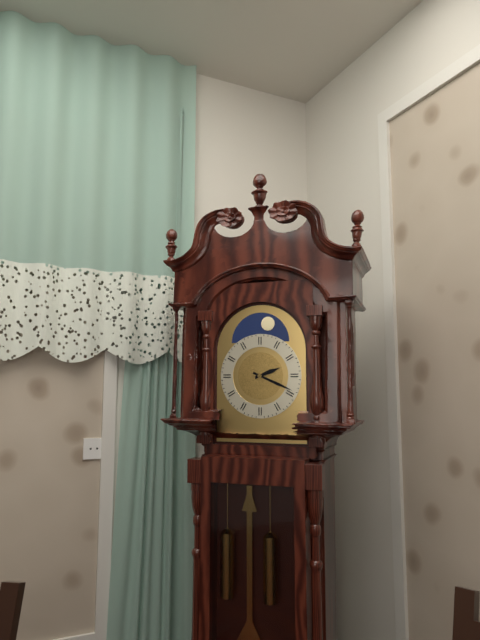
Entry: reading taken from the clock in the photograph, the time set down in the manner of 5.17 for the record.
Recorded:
2.19
